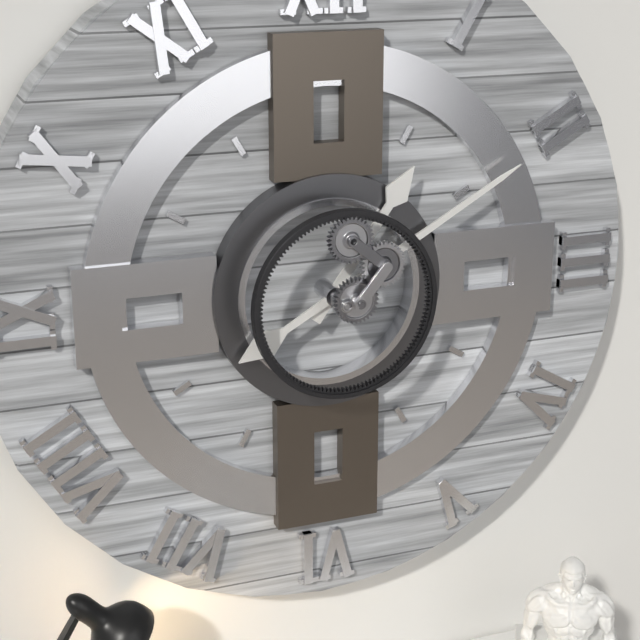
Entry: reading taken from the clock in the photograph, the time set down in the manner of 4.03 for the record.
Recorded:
1.10
